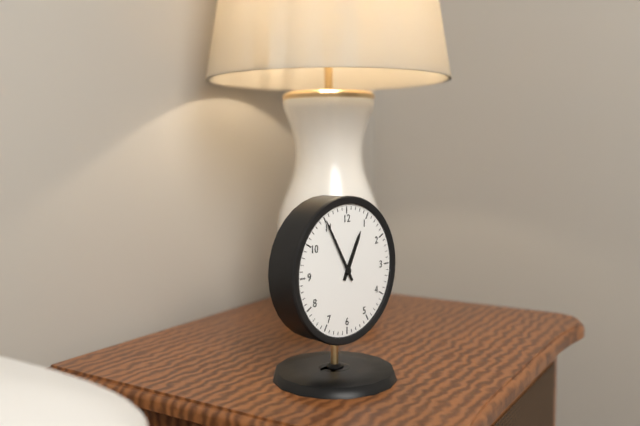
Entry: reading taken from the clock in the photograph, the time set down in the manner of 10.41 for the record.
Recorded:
12.55
